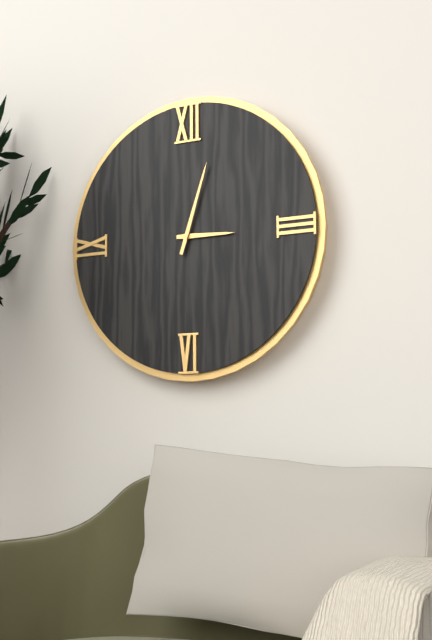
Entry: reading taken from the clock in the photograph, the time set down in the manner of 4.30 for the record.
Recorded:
3.03
